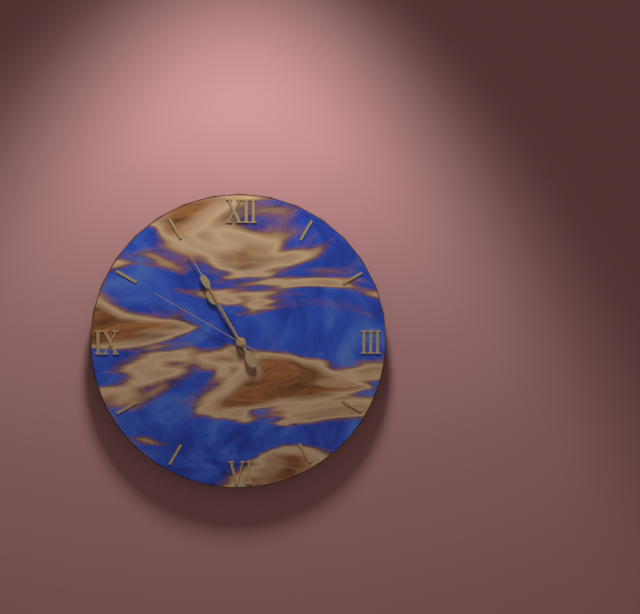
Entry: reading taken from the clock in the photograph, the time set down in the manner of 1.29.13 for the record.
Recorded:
10.55.50
